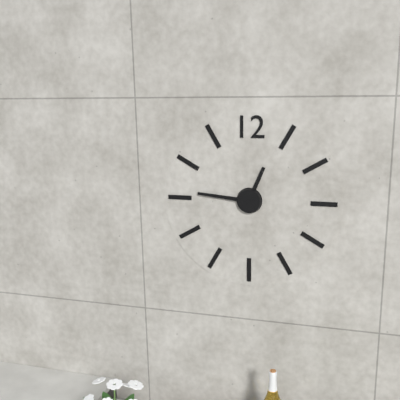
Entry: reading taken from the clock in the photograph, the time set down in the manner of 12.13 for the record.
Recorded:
12.46
